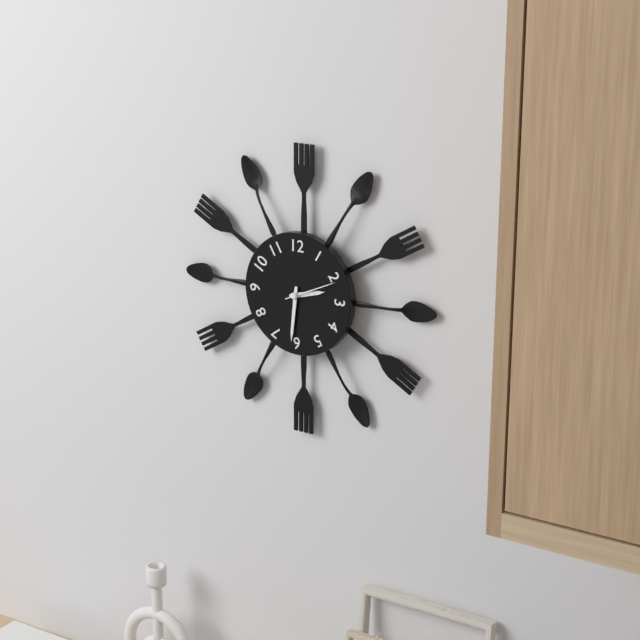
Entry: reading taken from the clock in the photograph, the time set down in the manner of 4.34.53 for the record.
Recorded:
2.31.11
